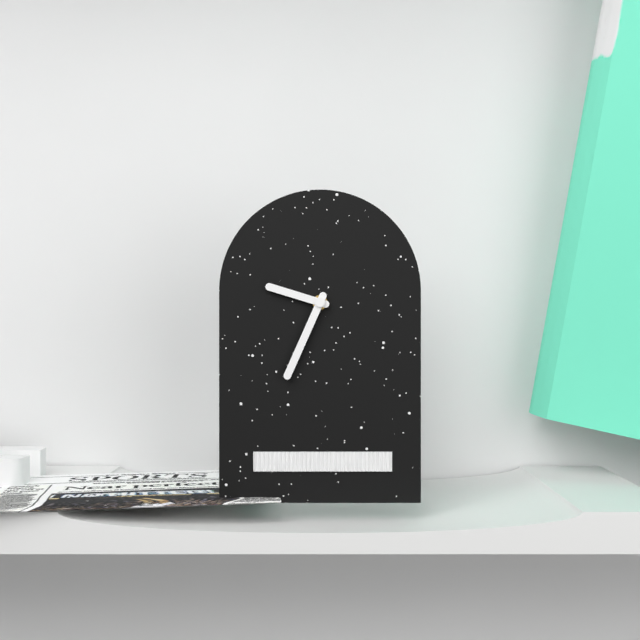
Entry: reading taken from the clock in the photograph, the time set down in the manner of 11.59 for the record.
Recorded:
9.34
